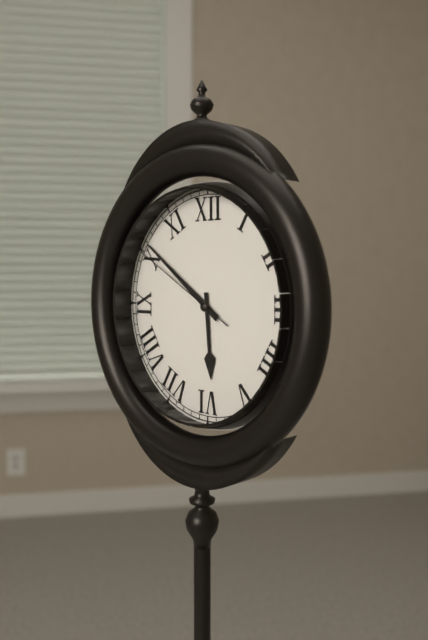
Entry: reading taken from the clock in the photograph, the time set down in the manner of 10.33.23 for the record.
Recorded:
5.51.50
